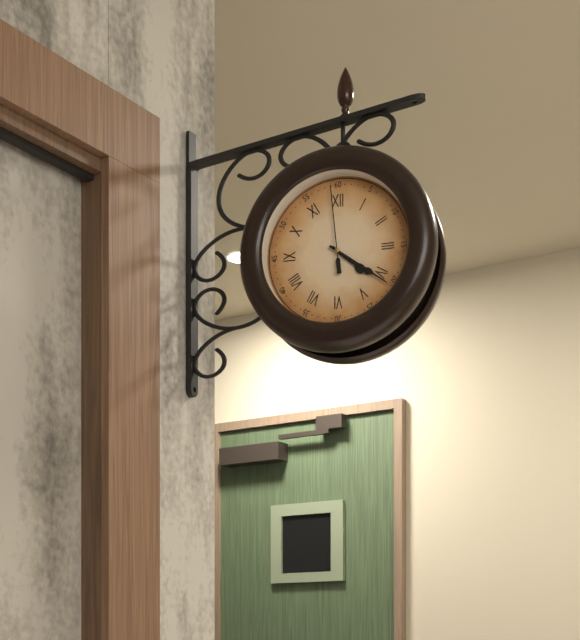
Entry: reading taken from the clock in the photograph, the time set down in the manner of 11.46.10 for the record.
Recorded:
4.21.59
